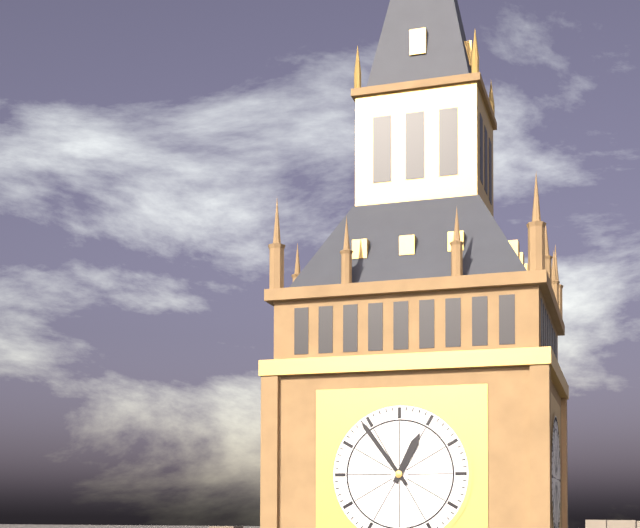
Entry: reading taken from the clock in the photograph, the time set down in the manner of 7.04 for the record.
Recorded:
12.54
